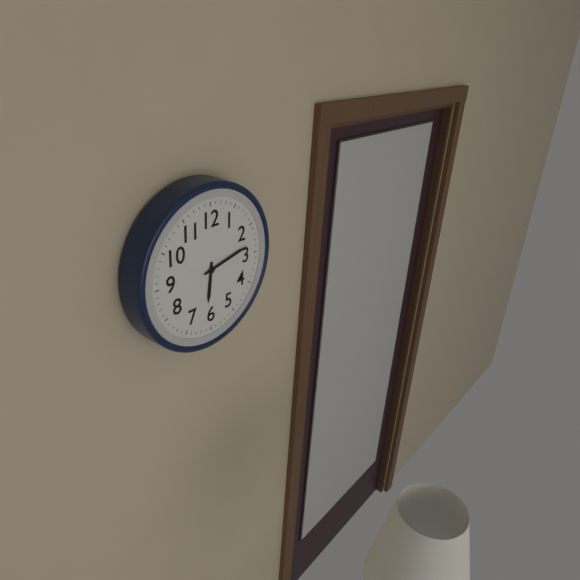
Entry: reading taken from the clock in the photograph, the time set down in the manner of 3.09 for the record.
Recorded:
6.13
